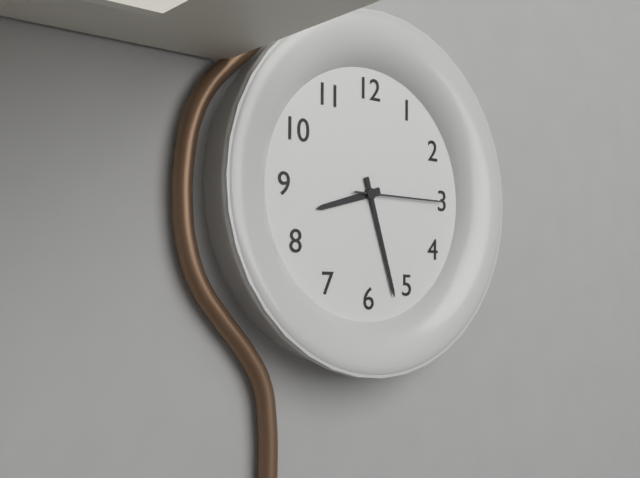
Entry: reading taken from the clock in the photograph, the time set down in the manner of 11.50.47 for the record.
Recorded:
8.27.15
